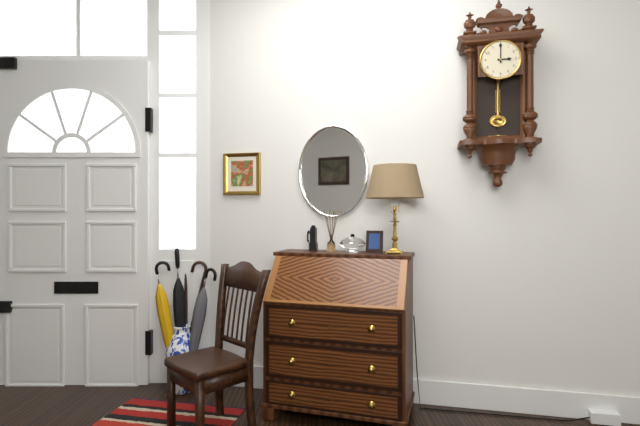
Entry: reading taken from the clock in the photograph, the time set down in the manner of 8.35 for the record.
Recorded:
3.00
